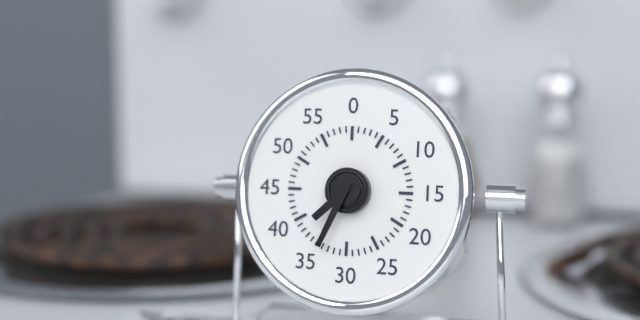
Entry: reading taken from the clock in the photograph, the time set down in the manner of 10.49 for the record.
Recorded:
7.34
